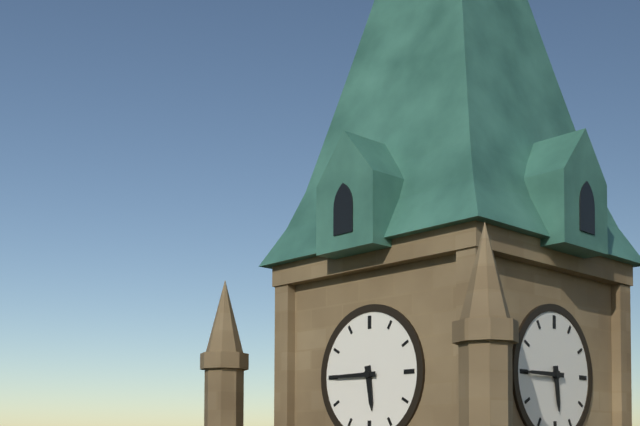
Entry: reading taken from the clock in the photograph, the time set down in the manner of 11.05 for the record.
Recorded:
5.45
